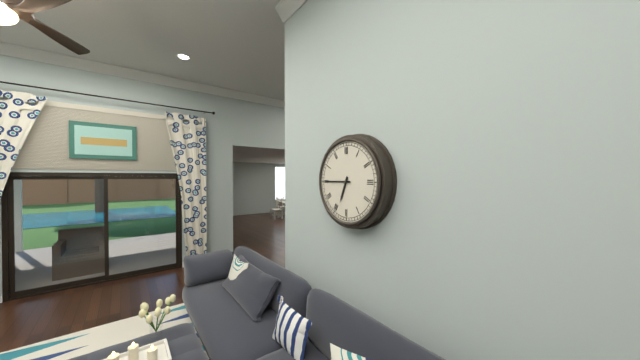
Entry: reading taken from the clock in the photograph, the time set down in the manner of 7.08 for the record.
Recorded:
6.45
